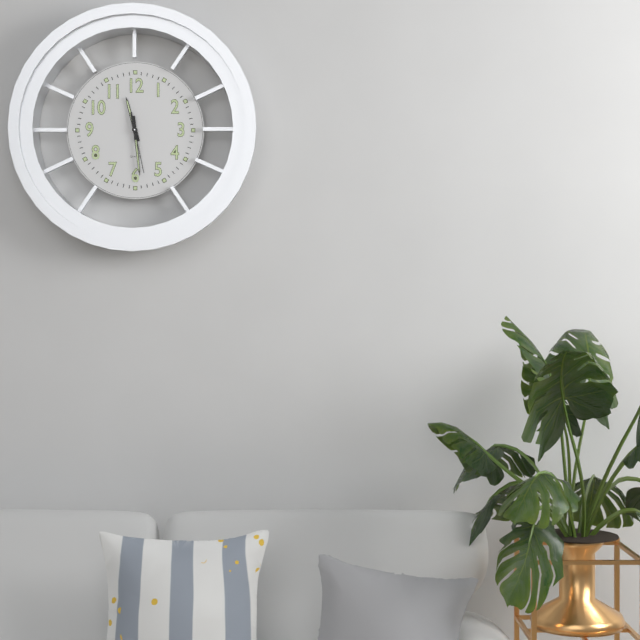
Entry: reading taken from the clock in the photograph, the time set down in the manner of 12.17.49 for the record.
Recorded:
11.29.28
